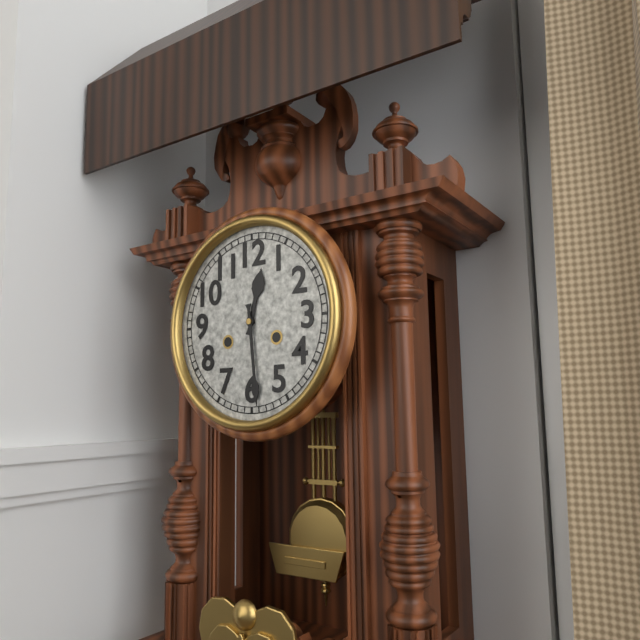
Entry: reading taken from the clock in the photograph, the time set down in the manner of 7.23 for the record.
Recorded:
12.29
